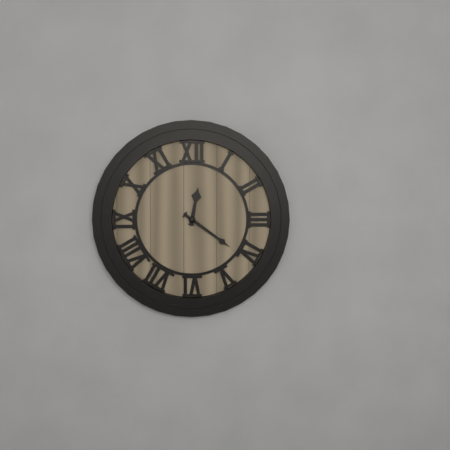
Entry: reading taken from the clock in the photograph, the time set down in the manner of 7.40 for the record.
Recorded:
12.21
